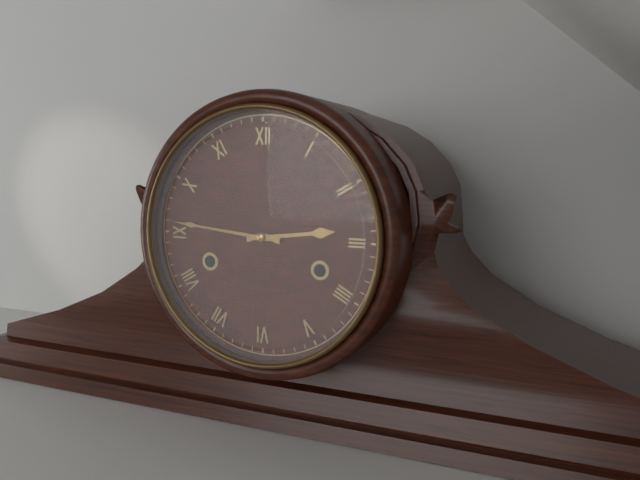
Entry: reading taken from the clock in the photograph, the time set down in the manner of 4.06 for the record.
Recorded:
2.46
